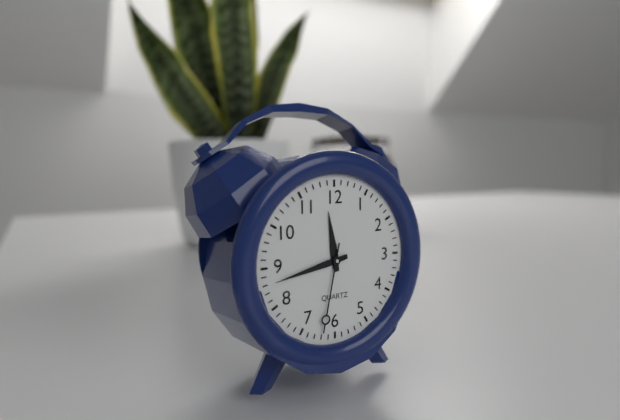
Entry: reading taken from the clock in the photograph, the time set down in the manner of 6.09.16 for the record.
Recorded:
11.43.32
